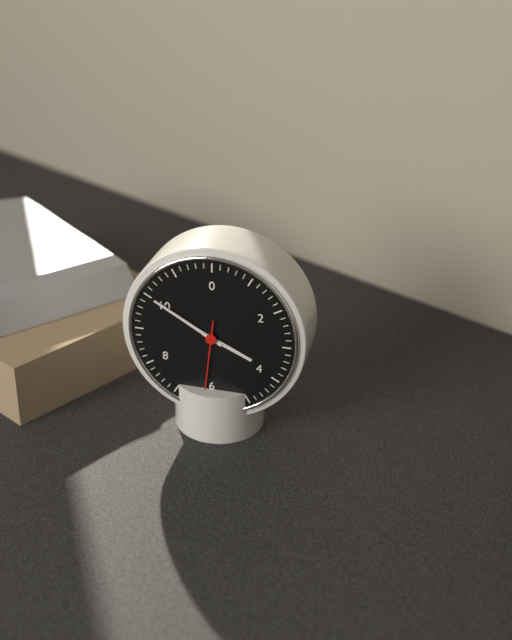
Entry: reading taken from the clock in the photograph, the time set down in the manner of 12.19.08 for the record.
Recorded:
3.50.31
